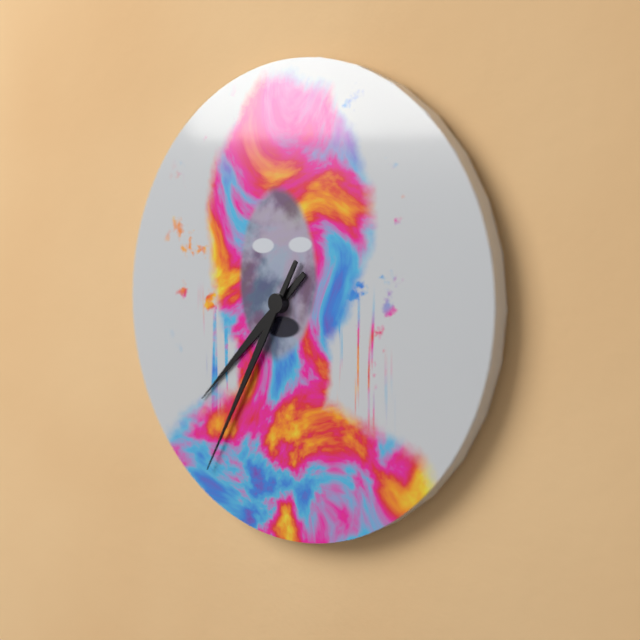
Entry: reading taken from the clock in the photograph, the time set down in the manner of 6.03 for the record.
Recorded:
7.35
